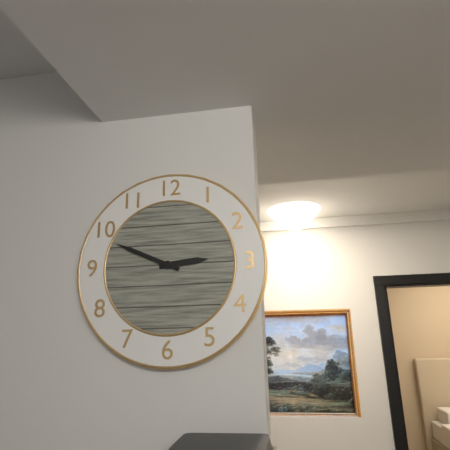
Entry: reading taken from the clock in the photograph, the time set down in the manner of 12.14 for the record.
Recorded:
2.49
